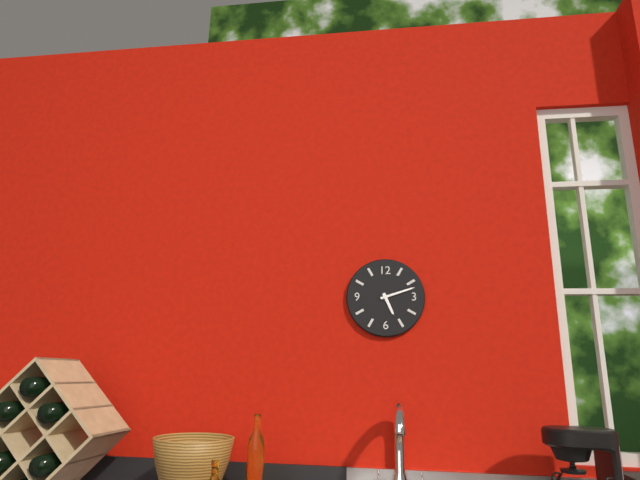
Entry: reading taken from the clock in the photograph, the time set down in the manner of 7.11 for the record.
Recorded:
5.12
